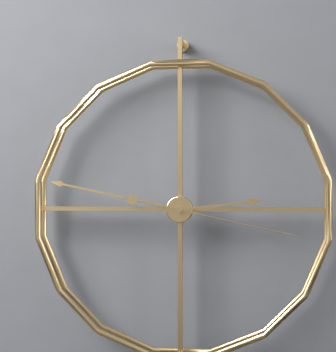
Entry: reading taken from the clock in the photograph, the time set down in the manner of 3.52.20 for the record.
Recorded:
2.47.17
